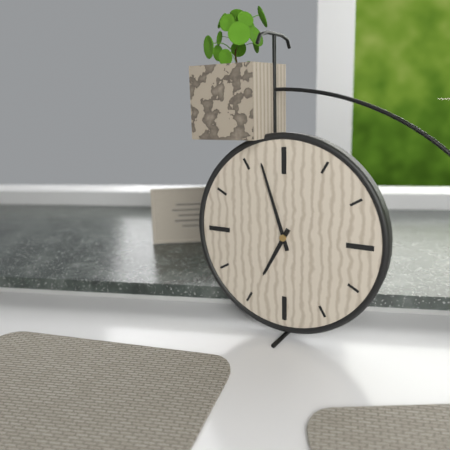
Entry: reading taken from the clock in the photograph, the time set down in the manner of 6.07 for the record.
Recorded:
6.57
